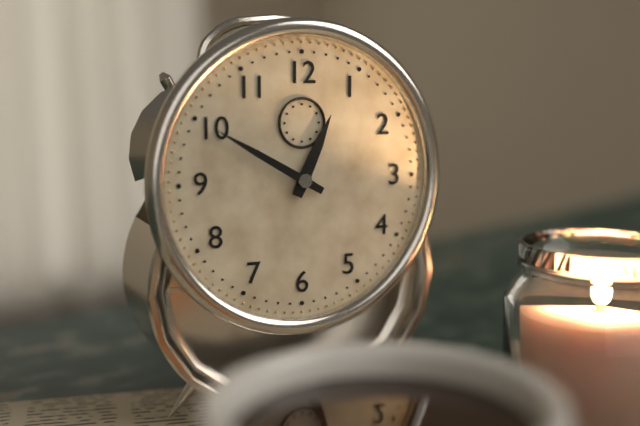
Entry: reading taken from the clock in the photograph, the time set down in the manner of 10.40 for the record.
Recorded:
12.50
